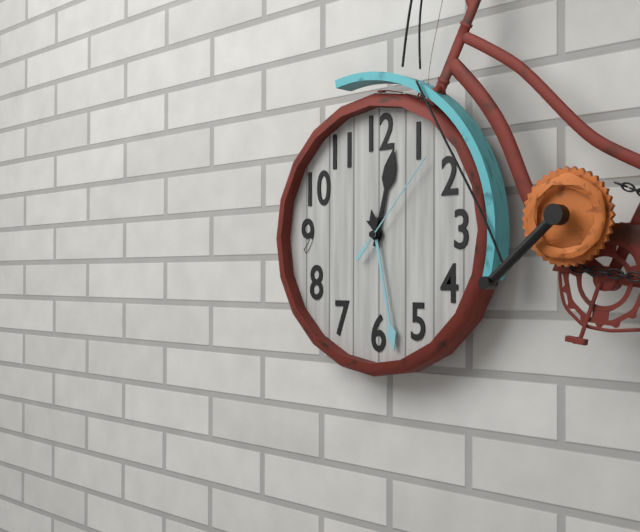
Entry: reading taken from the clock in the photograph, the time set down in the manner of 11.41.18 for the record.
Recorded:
12.28.07
